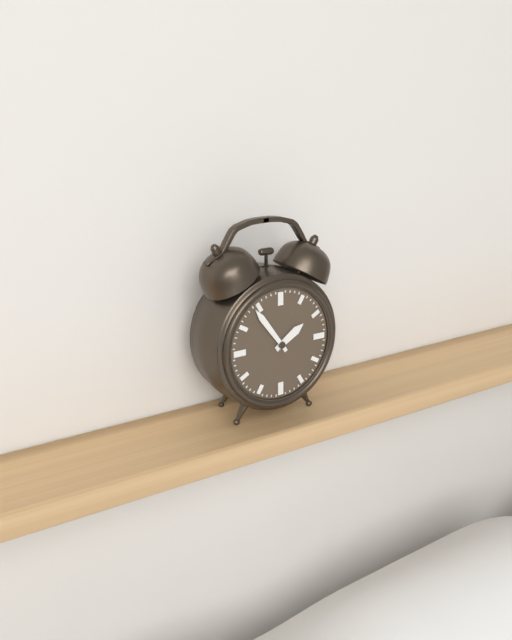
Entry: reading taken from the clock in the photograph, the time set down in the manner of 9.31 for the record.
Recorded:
1.54
